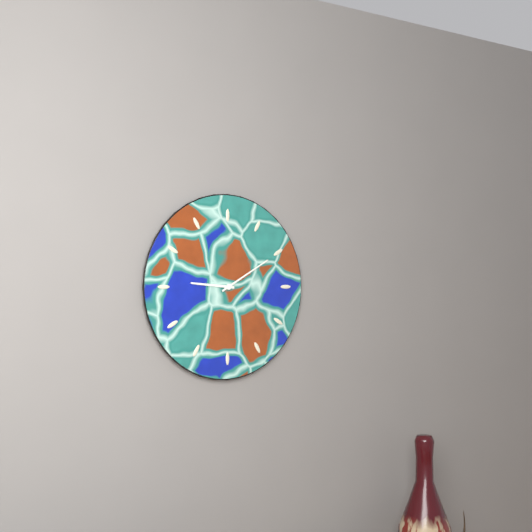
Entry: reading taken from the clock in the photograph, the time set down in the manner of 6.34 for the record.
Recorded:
9.10
